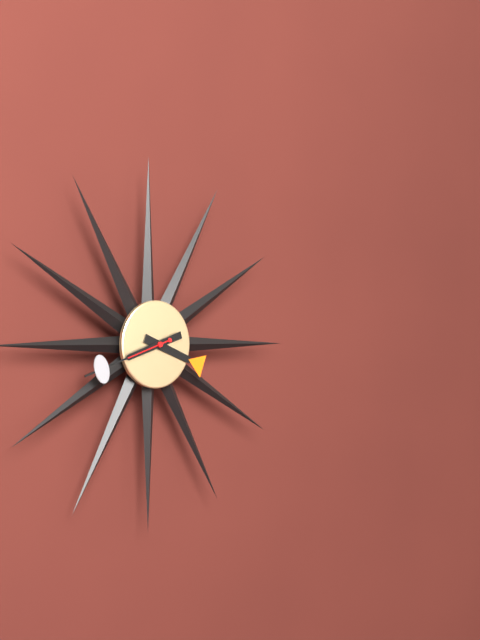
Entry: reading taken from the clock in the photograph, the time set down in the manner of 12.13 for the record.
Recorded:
3.42
